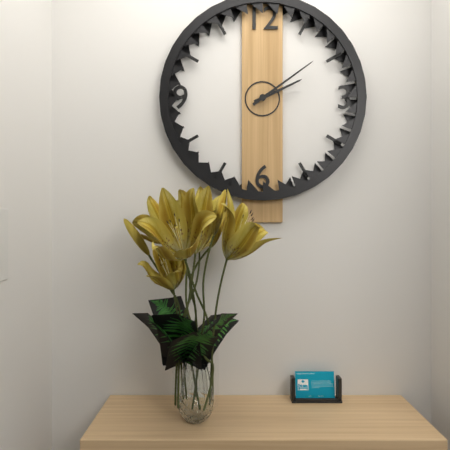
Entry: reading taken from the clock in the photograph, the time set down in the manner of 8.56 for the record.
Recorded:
2.09
